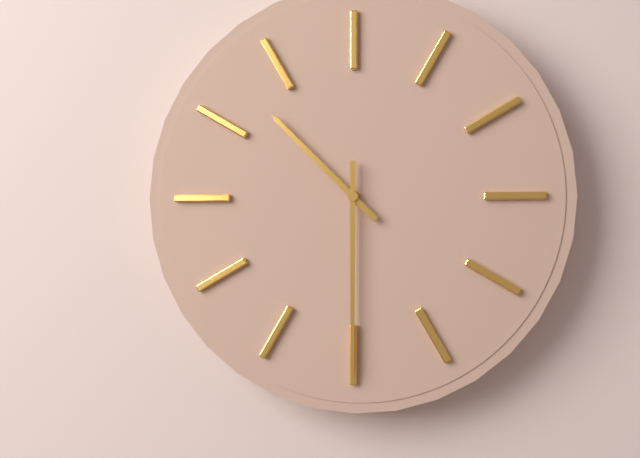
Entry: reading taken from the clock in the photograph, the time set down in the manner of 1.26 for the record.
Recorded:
10.30
